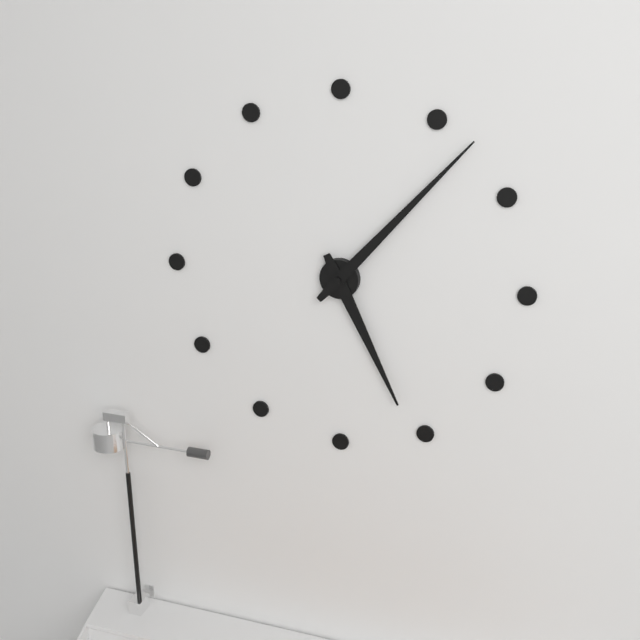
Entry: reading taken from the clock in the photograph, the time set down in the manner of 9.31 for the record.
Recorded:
5.07
